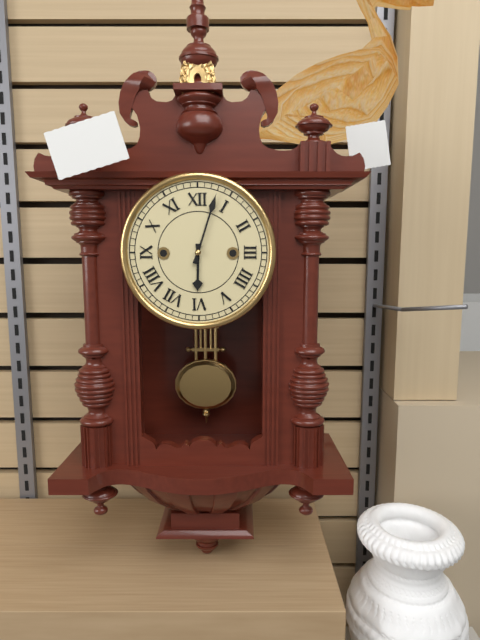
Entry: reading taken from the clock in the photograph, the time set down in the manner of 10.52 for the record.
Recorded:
6.03
